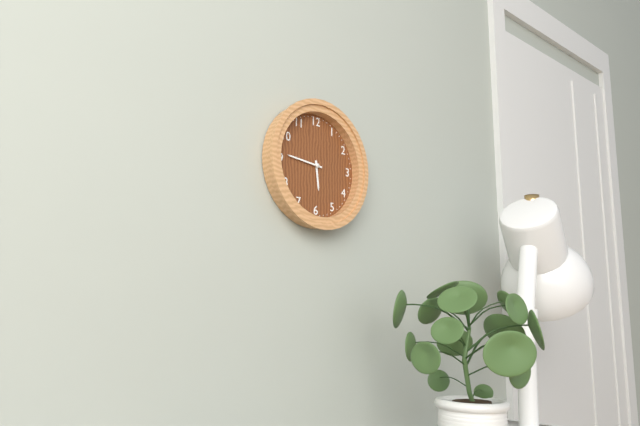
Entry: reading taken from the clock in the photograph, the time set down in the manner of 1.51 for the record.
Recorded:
5.46
